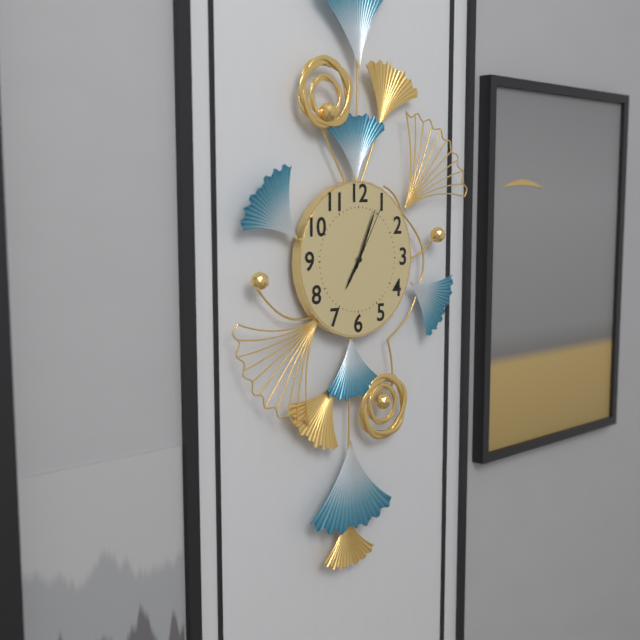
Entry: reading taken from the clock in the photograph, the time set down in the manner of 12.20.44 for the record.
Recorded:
7.04.05
